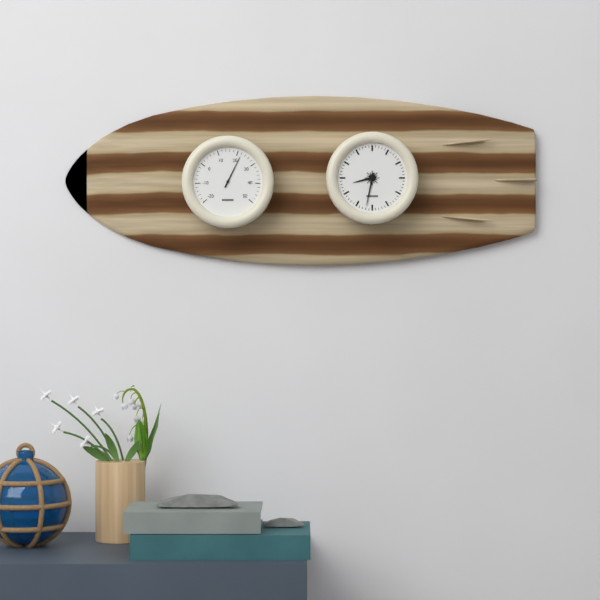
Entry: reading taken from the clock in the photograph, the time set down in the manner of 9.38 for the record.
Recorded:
8.32
